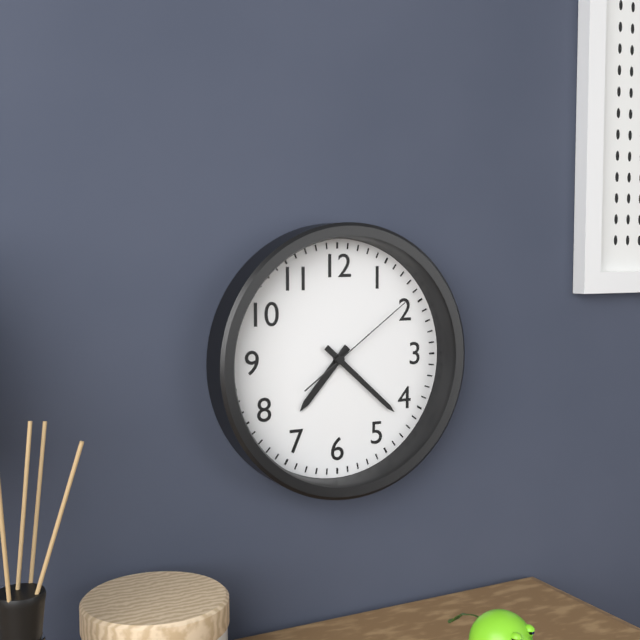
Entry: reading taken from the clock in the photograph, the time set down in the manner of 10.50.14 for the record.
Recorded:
7.22.09
